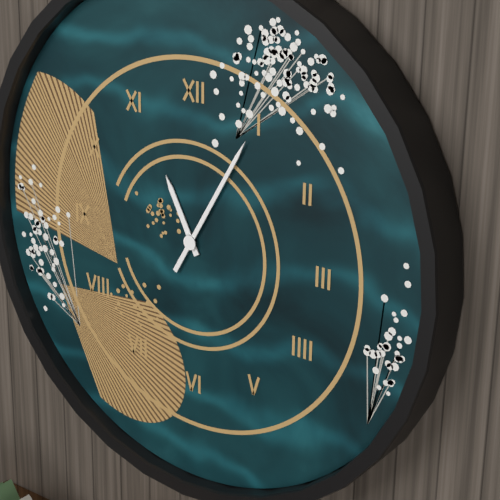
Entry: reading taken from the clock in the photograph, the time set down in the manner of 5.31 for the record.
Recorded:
11.05
